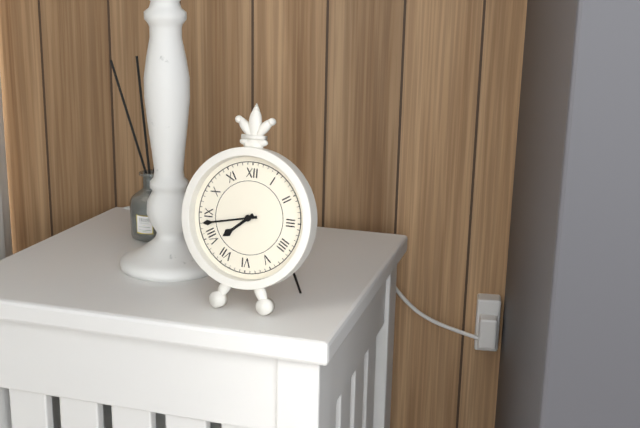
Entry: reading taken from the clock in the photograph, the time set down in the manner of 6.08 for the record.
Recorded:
7.43
